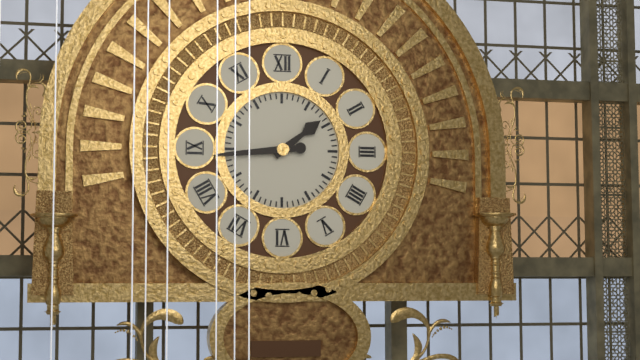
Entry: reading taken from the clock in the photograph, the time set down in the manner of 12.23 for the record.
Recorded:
1.44
